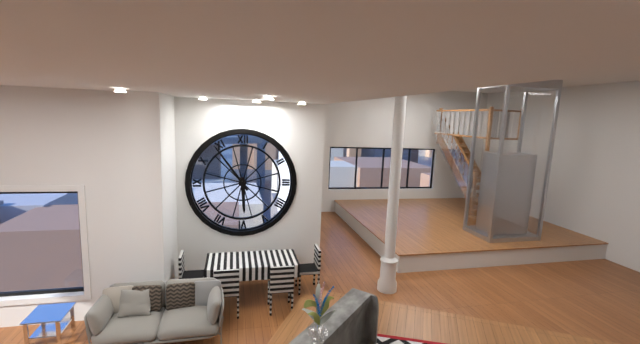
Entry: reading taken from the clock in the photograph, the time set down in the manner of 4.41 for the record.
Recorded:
5.54
